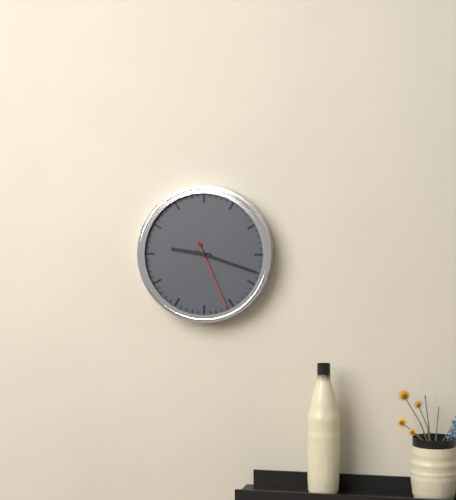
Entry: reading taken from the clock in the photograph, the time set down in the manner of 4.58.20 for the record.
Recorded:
9.18.26
